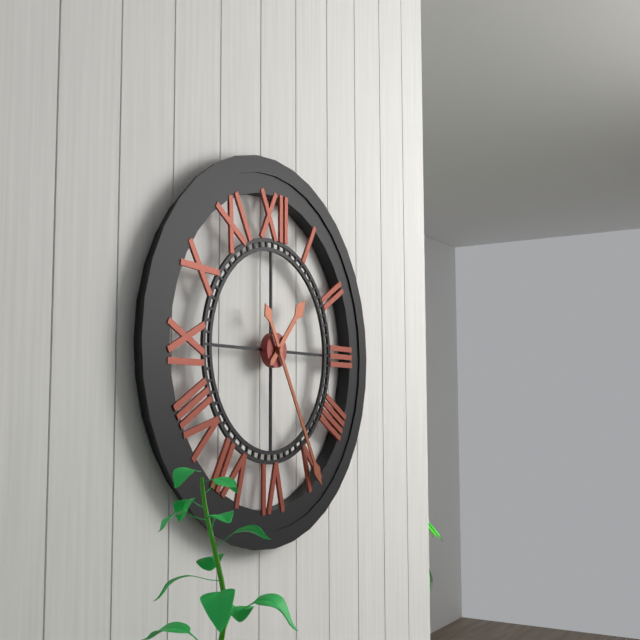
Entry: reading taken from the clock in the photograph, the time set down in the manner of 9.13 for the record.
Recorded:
1.25
